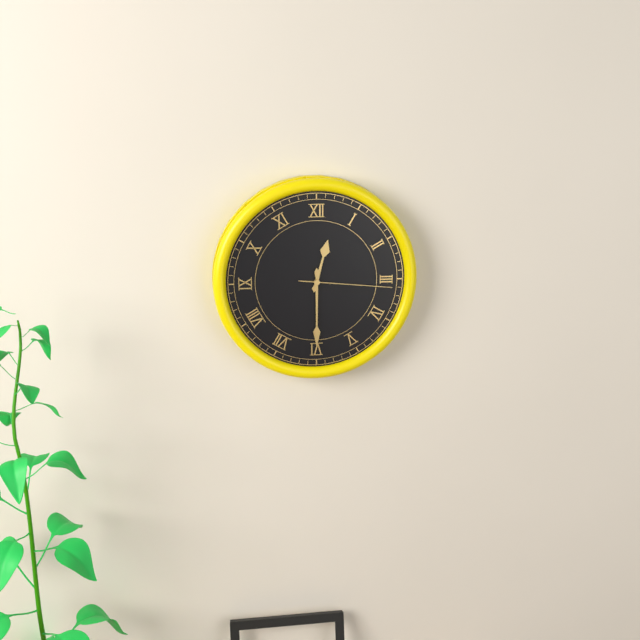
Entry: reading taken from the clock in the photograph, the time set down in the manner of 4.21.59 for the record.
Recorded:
12.30.16
